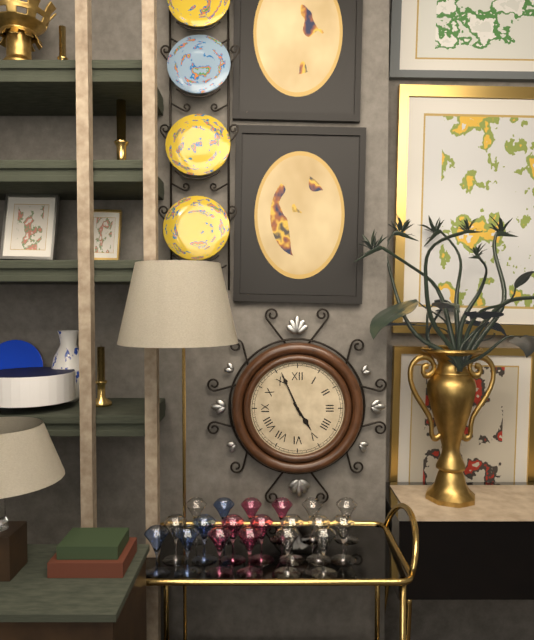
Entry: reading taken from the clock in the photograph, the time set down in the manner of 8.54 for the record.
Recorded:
4.56
